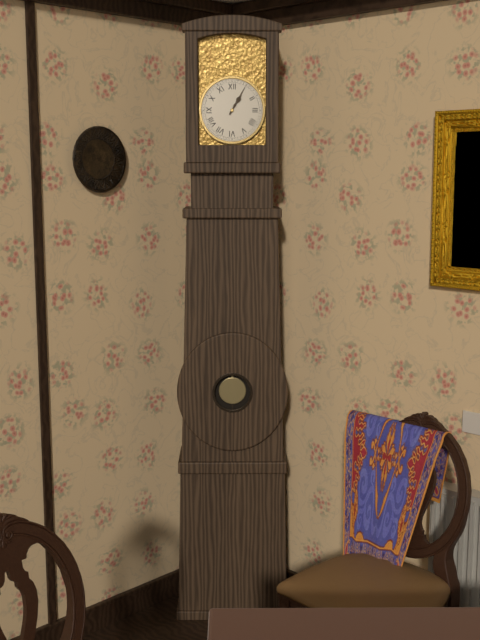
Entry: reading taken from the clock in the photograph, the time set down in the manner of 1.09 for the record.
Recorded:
1.05
